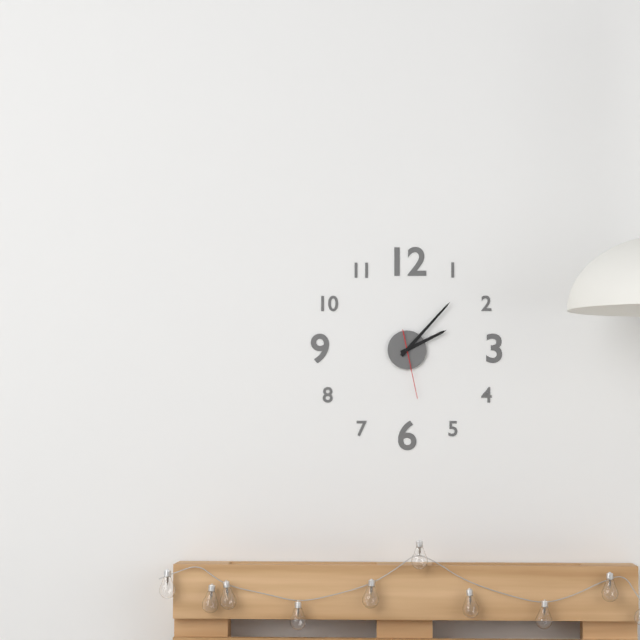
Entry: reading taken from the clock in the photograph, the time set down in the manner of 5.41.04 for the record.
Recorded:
2.07.28
